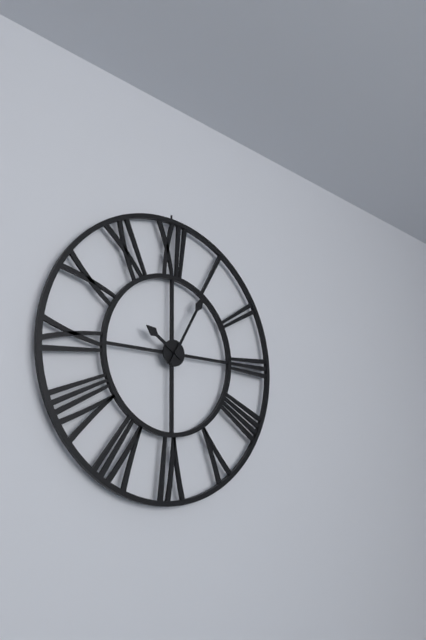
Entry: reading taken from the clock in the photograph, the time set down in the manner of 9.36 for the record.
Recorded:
10.05
